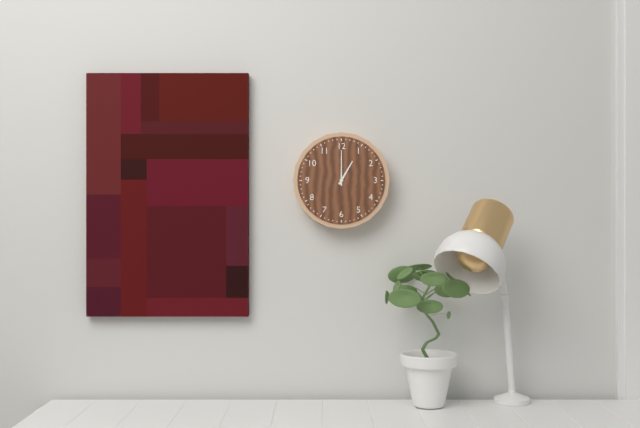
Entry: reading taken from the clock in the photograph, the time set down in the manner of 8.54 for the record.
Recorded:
1.00
